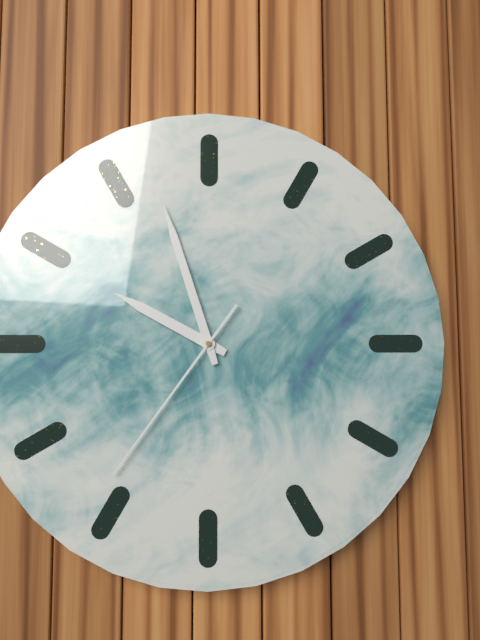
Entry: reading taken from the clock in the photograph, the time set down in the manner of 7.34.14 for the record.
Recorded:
9.57.36
